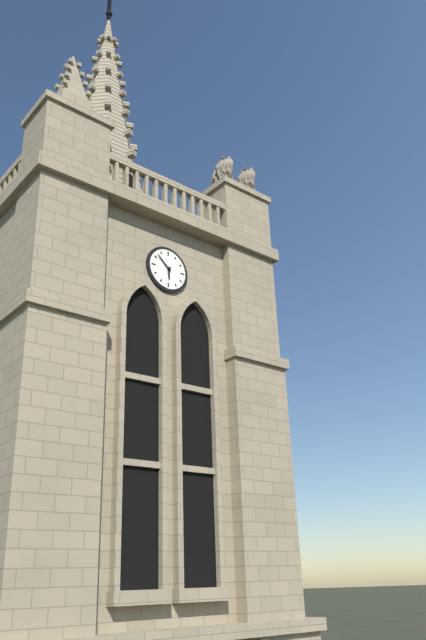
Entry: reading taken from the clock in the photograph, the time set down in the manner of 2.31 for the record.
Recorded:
5.52
